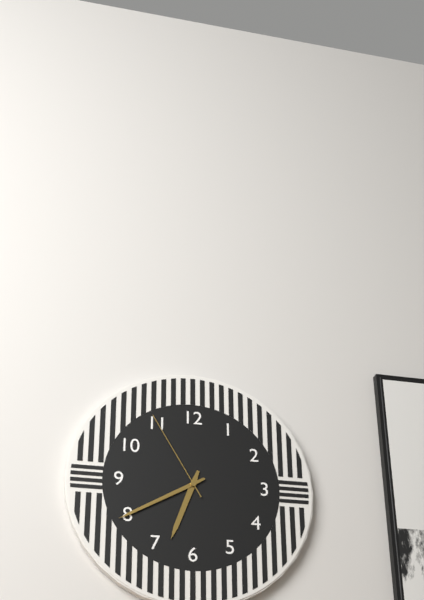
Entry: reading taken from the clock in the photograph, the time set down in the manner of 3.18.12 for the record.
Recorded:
6.40.55
